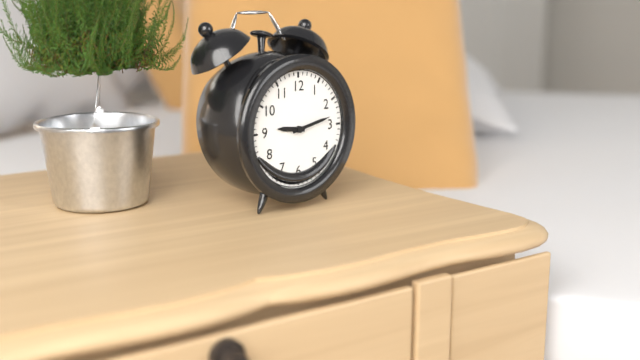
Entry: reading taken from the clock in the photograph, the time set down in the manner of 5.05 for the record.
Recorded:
9.13
